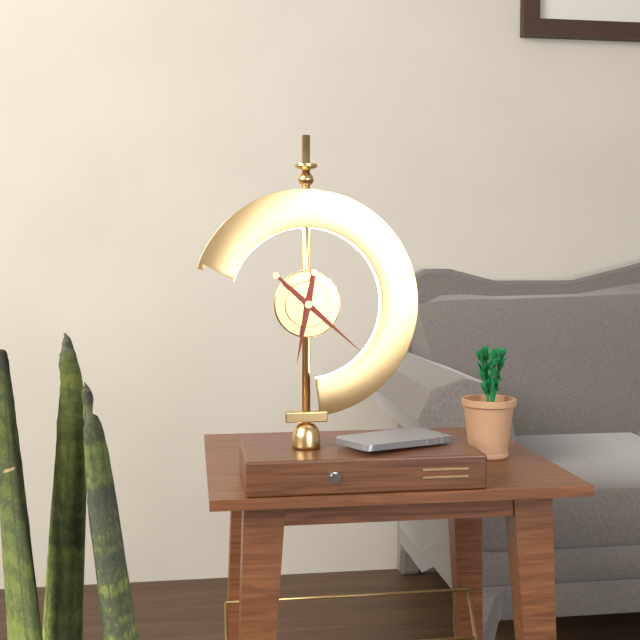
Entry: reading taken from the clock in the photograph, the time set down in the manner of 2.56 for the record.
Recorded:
6.22
